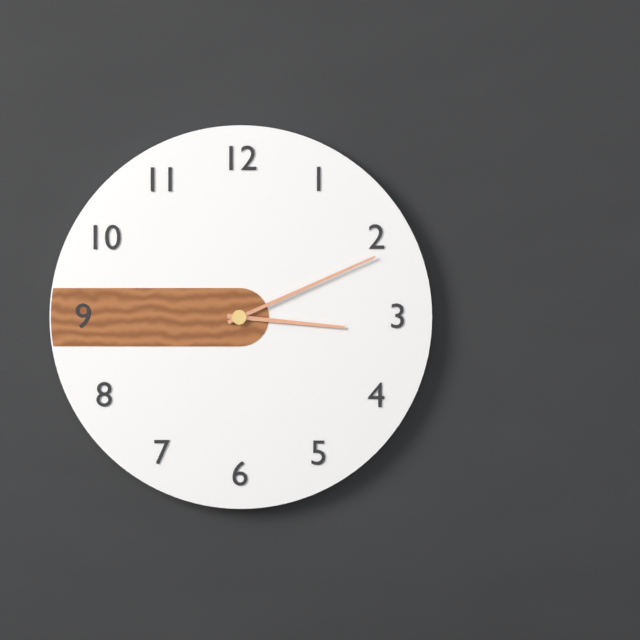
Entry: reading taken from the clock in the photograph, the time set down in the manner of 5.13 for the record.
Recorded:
3.11
